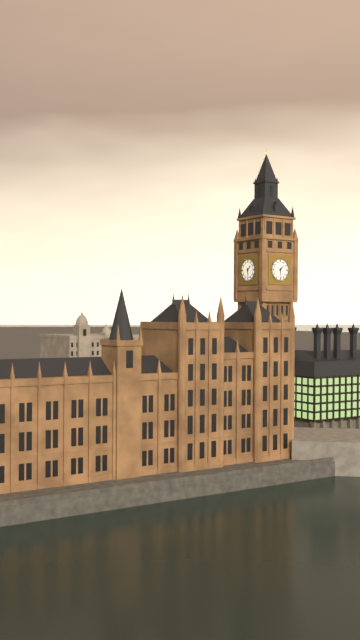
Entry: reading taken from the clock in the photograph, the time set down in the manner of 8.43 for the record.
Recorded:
1.29
